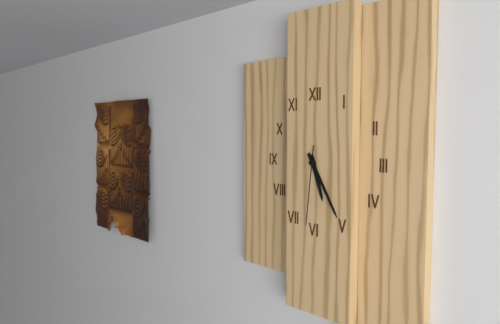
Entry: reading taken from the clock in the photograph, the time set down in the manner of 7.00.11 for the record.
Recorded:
5.25.31
